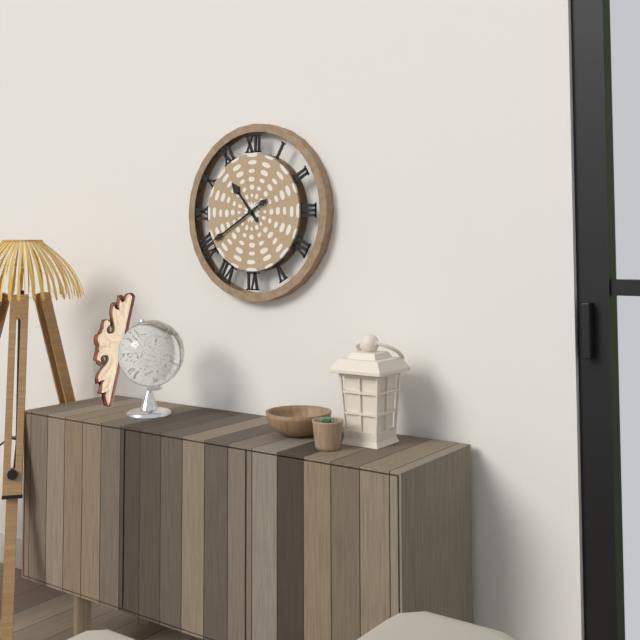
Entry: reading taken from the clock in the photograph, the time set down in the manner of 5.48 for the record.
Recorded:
10.40
